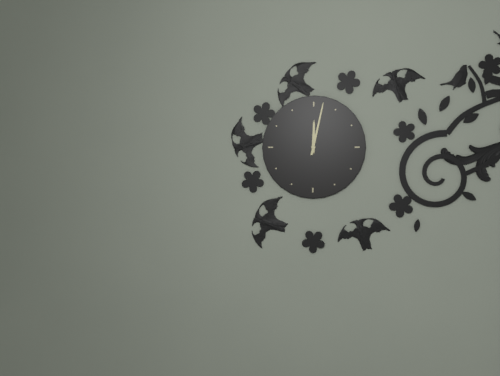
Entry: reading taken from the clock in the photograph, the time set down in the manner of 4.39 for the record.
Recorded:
12.02
